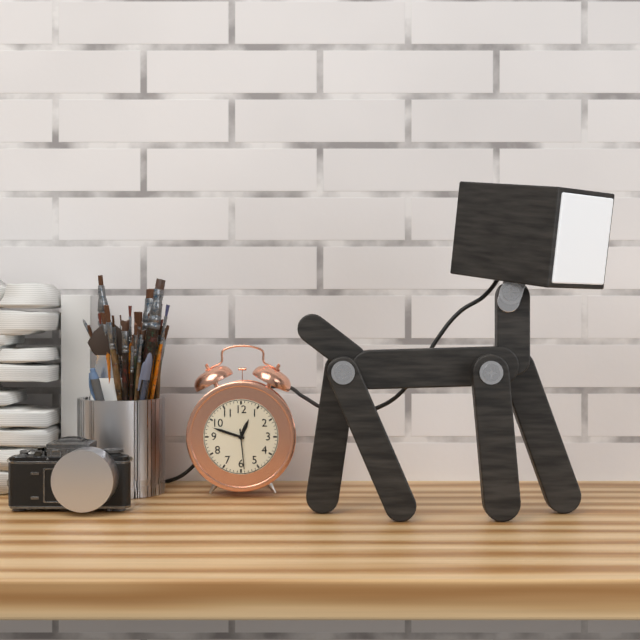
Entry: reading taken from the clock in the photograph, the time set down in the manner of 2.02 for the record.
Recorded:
12.48
